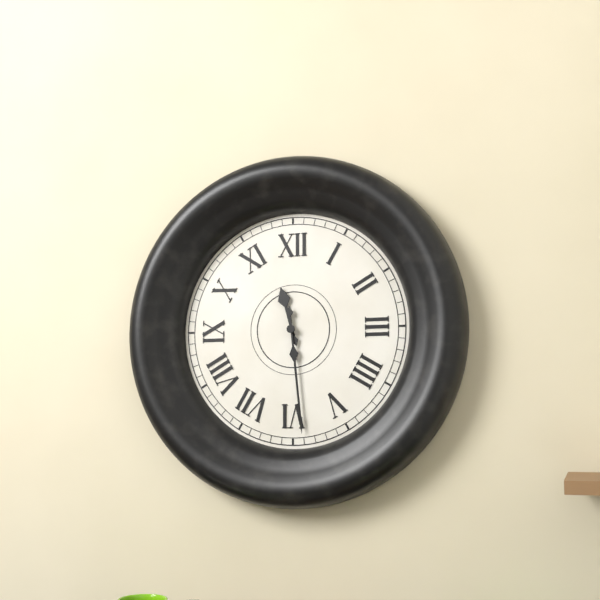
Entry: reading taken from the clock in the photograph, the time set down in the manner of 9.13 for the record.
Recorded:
11.29
